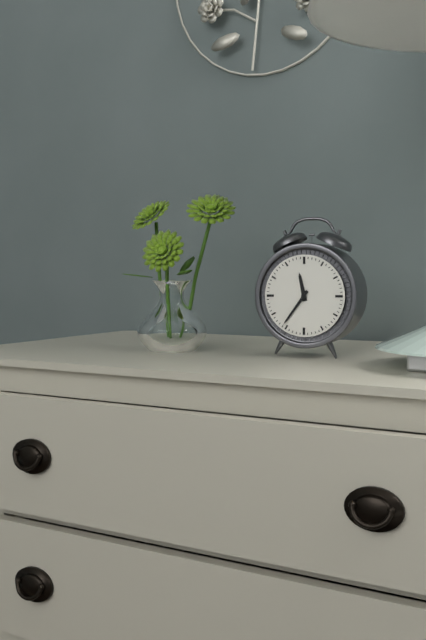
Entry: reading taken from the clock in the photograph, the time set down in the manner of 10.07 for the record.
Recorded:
11.36
